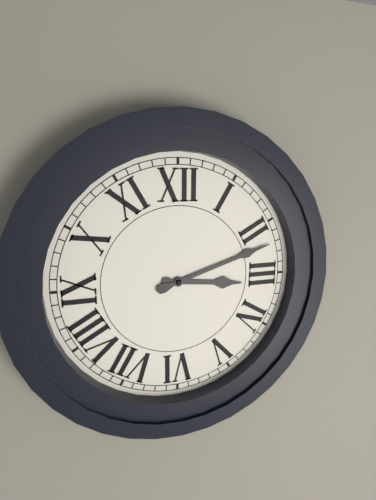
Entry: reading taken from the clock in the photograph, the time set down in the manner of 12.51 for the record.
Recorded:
3.12
